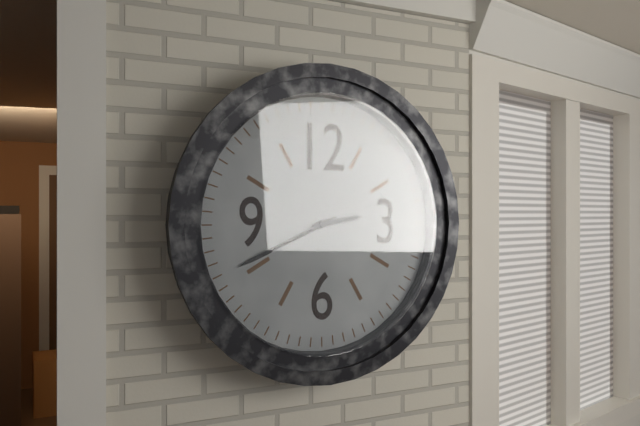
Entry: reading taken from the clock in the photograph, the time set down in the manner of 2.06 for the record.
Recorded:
2.41
